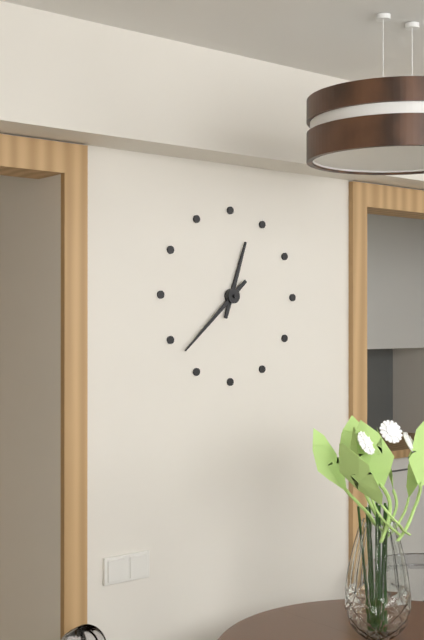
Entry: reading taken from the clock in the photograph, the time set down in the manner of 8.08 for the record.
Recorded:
12.38
